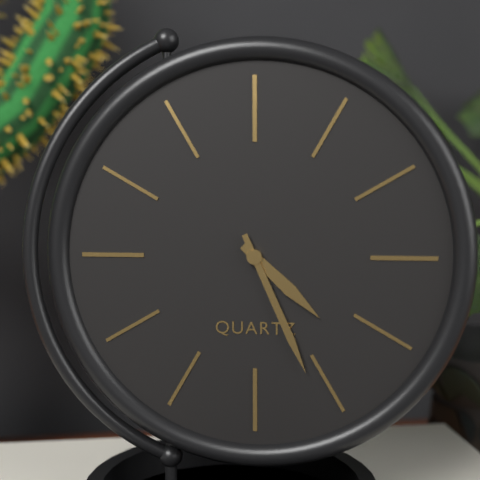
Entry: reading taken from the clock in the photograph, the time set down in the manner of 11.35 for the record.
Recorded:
4.26
